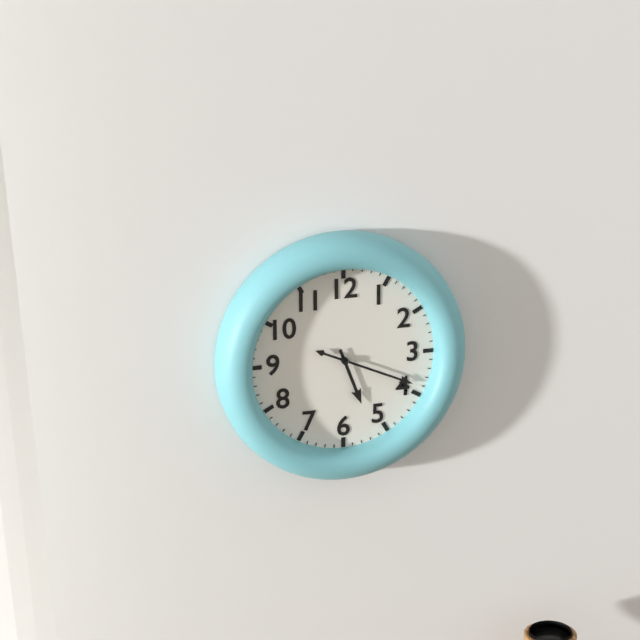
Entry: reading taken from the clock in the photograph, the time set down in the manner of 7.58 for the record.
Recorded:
5.19
